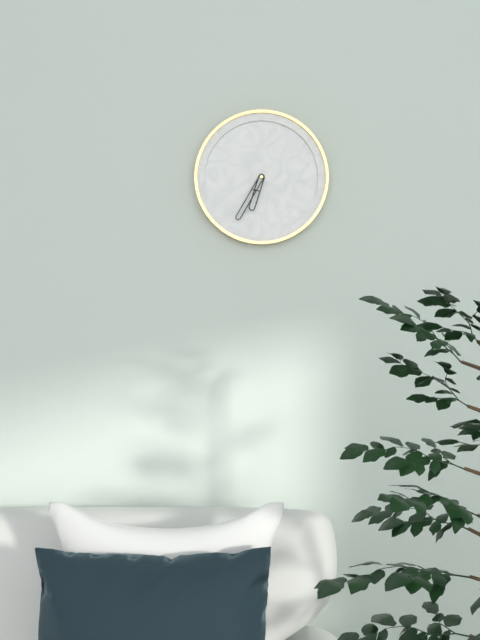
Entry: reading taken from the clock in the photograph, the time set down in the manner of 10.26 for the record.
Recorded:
6.35
